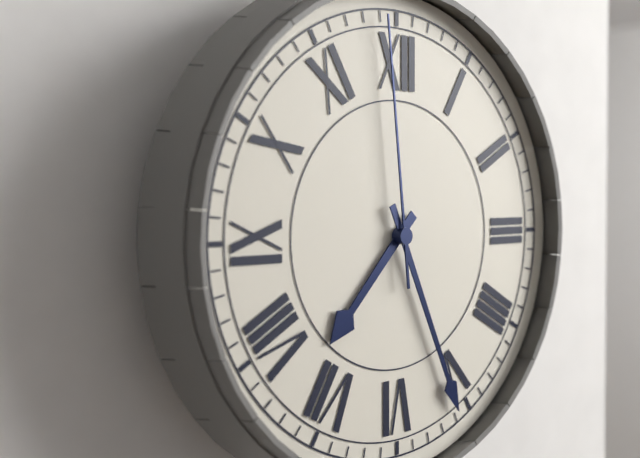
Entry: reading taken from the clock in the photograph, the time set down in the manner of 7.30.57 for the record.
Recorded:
7.26.59
